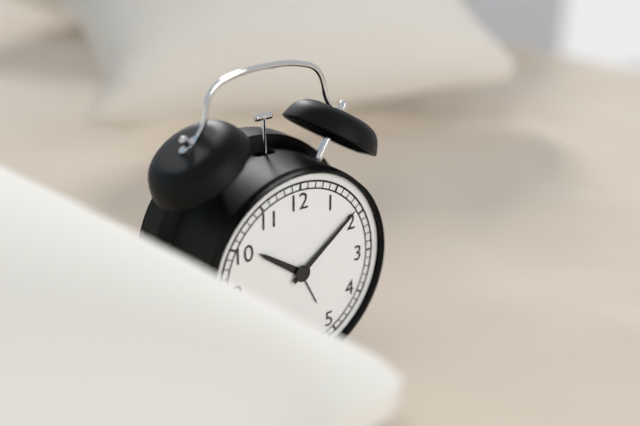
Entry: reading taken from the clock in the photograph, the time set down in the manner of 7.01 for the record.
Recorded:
10.09
